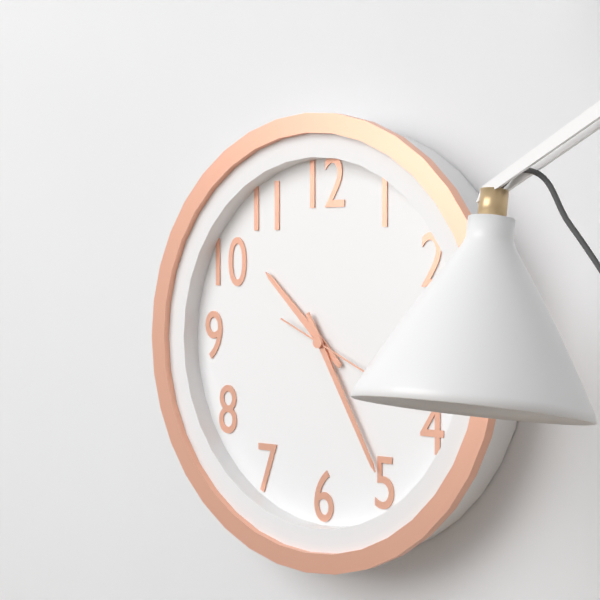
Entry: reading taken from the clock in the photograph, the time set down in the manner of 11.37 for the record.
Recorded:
10.25
